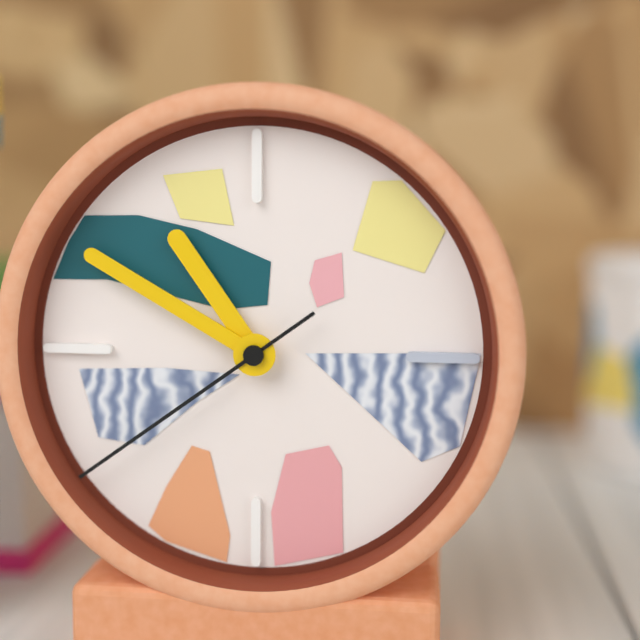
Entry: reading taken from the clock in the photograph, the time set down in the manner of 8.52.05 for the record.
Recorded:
10.50.39
